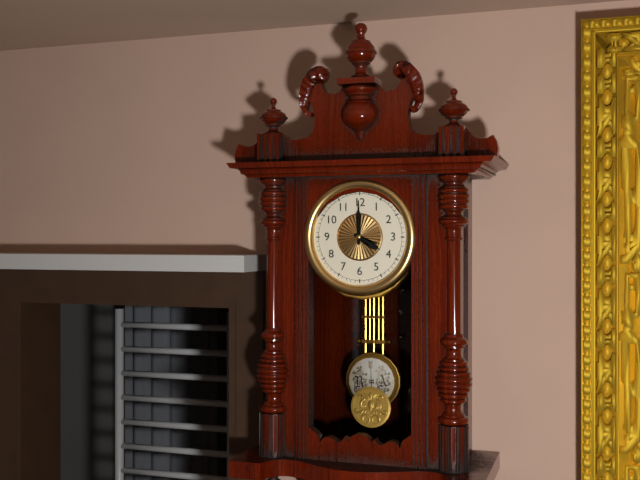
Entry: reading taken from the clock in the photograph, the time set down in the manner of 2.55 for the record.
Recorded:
4.00
